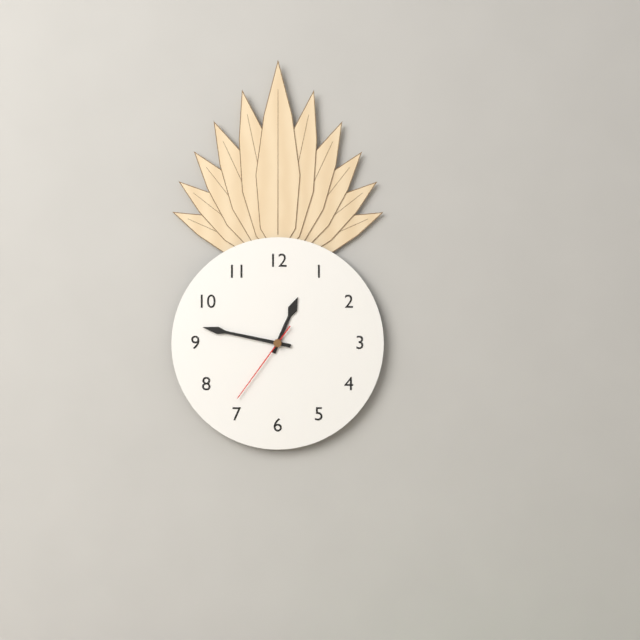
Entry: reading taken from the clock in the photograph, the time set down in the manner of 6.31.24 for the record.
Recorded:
12.47.36
